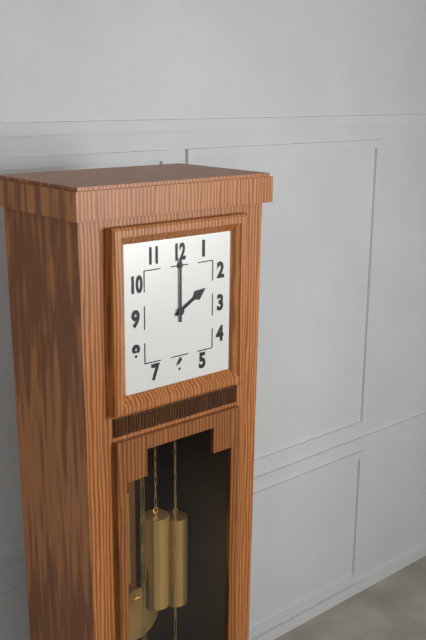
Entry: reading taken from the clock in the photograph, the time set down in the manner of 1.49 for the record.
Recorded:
2.00
